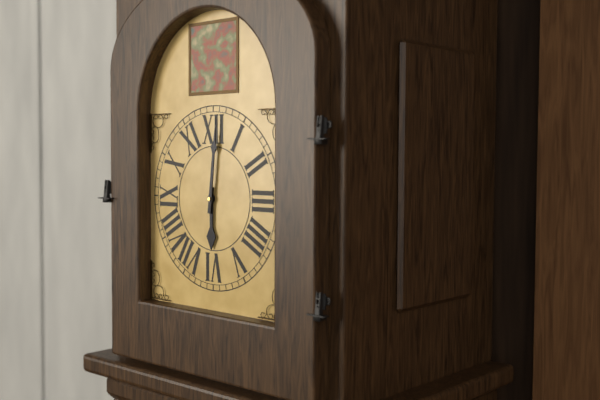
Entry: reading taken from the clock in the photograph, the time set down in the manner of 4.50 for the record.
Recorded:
6.01
